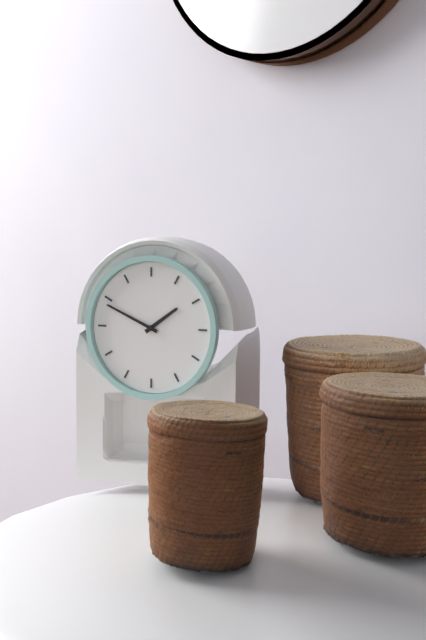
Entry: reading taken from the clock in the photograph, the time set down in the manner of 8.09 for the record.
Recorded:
1.49
